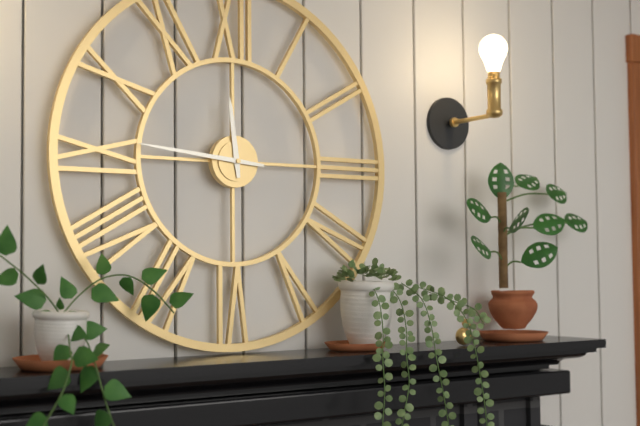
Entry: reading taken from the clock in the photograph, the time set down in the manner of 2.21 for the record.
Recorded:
11.46
